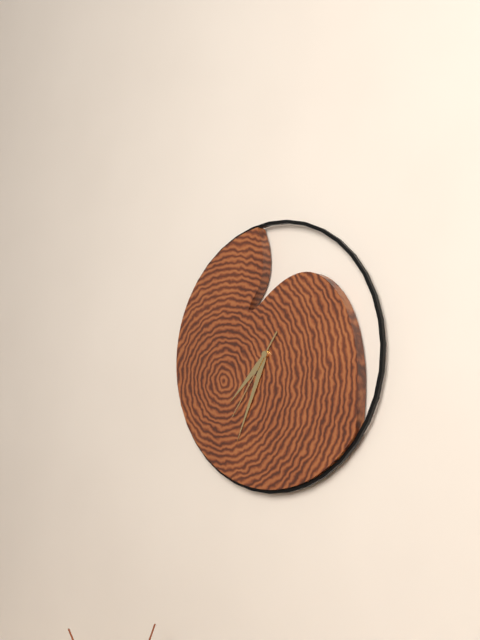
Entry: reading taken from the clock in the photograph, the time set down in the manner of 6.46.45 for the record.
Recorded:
7.34.36
